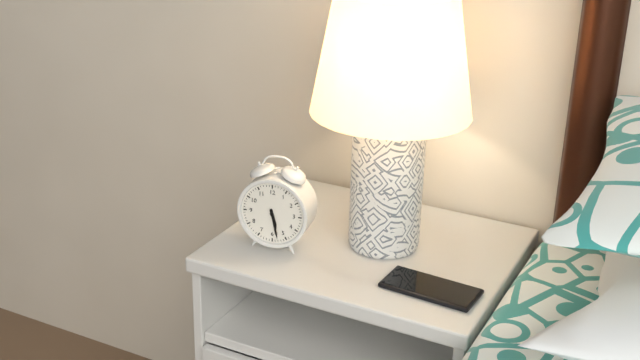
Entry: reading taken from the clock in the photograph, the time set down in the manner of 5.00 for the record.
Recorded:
5.28
